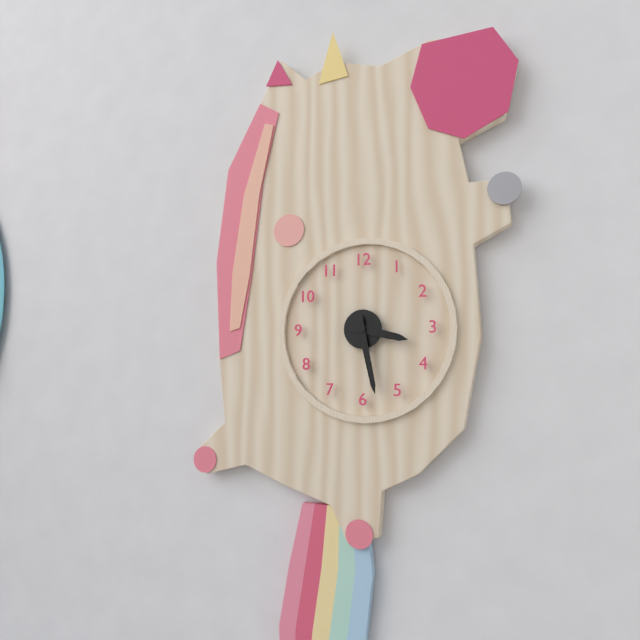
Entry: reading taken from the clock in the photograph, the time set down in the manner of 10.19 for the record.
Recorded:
3.28
